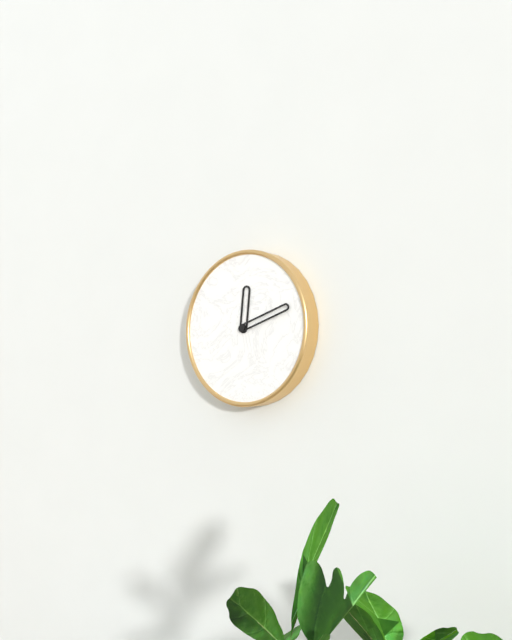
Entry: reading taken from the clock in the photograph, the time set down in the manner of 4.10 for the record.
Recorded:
12.12
